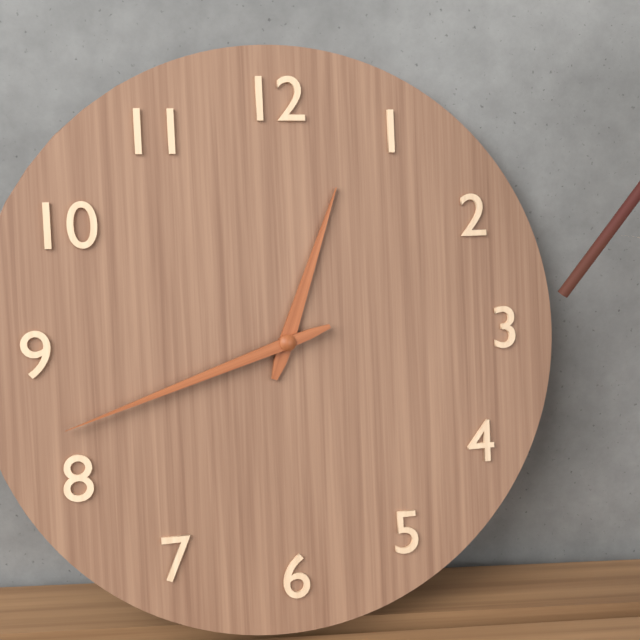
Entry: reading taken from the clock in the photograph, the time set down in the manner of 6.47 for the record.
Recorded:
12.42
